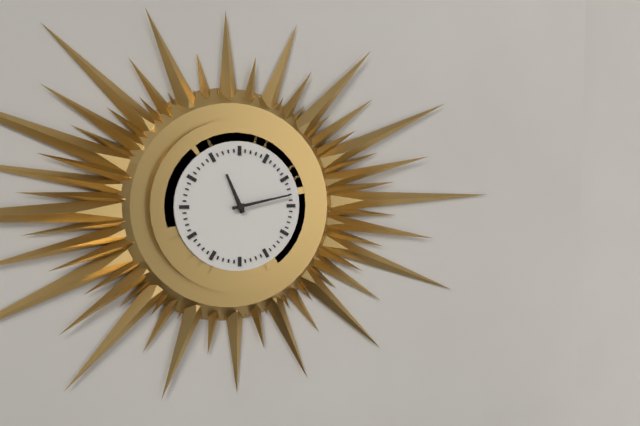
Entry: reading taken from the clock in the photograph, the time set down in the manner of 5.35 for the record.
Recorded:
11.13
